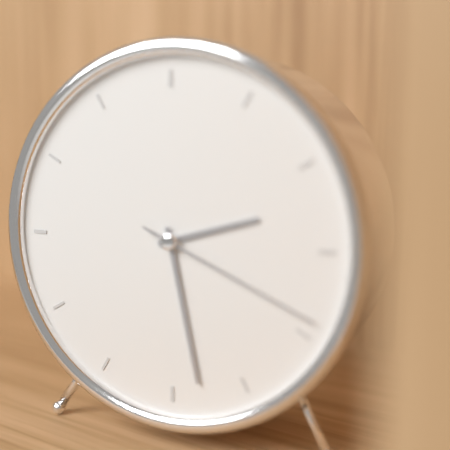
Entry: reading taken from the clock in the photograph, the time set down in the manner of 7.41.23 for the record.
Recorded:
2.28.19
